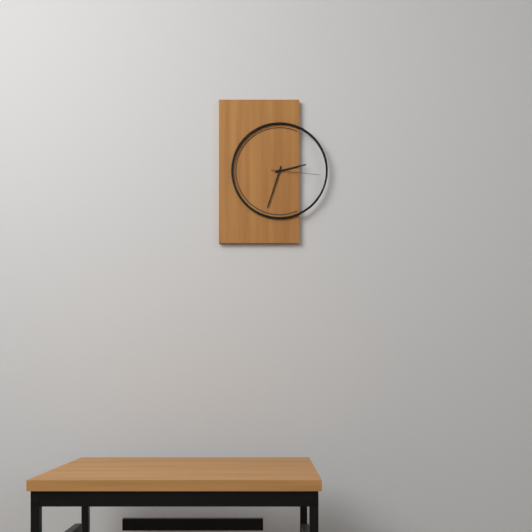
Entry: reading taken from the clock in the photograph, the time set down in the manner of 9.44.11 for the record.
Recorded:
2.33.16
